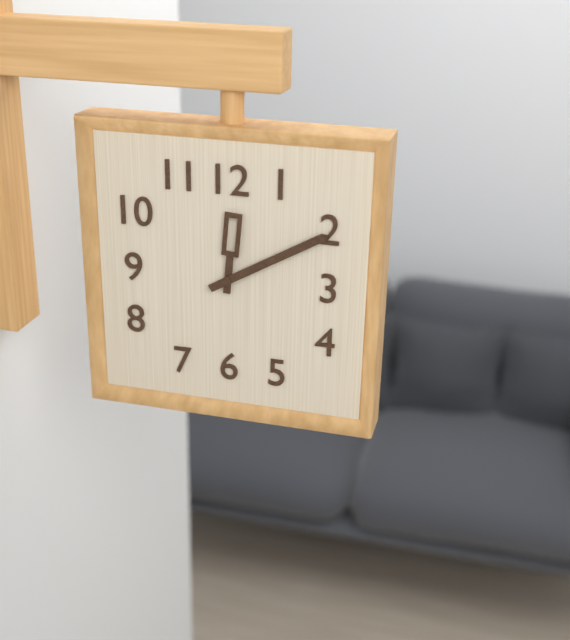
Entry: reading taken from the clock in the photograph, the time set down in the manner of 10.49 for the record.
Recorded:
12.10
